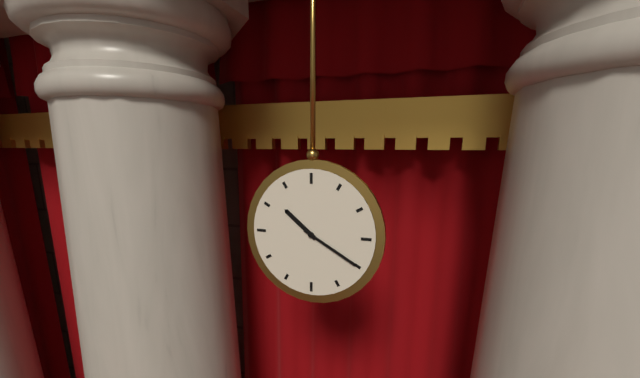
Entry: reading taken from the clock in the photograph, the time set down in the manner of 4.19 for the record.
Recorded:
10.20
